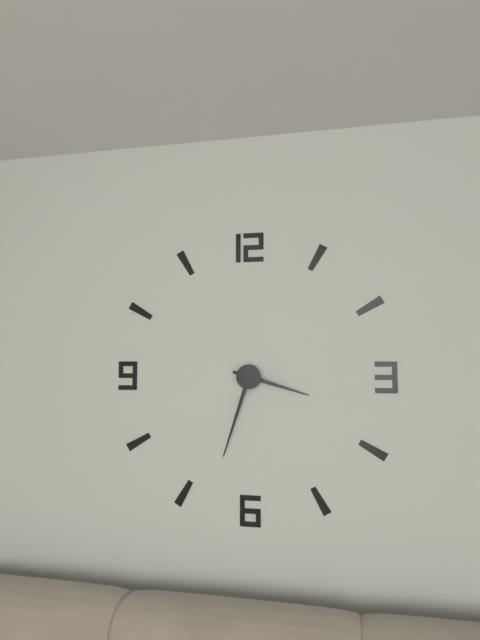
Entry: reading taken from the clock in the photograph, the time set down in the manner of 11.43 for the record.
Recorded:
3.33
